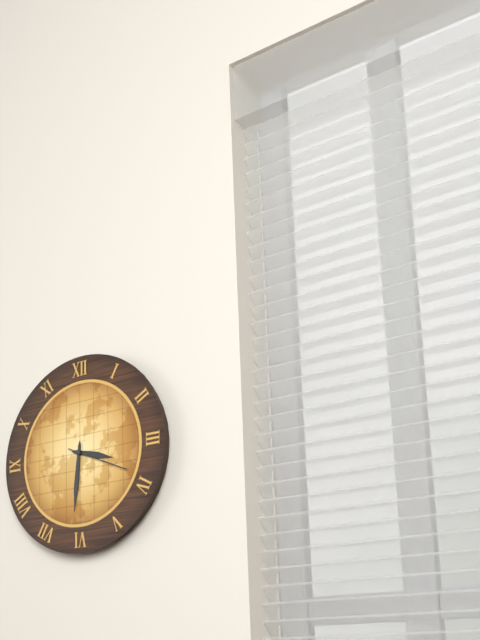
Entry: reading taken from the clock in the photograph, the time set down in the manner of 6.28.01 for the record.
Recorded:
3.31.19
